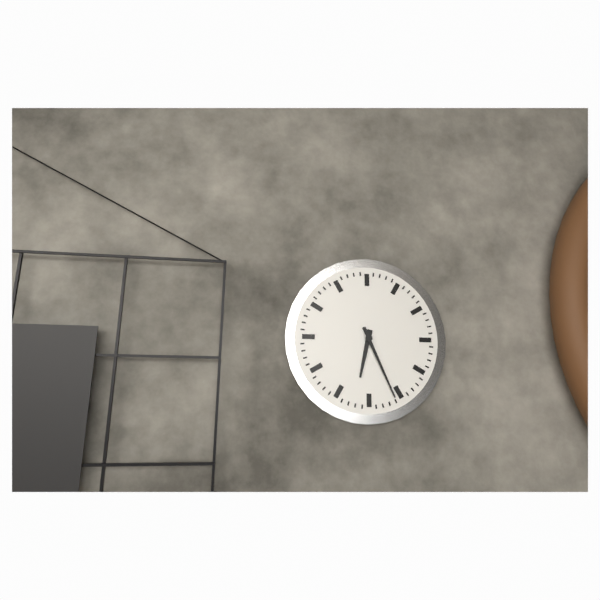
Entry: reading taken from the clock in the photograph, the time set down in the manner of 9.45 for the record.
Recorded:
6.26
